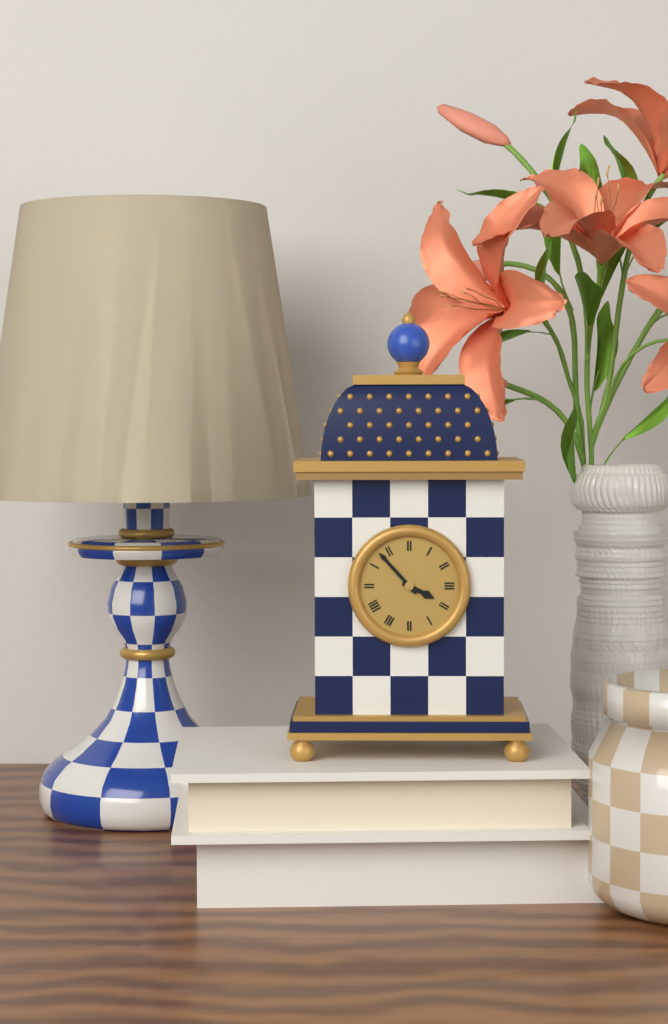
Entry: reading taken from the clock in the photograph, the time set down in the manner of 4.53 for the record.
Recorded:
3.53
